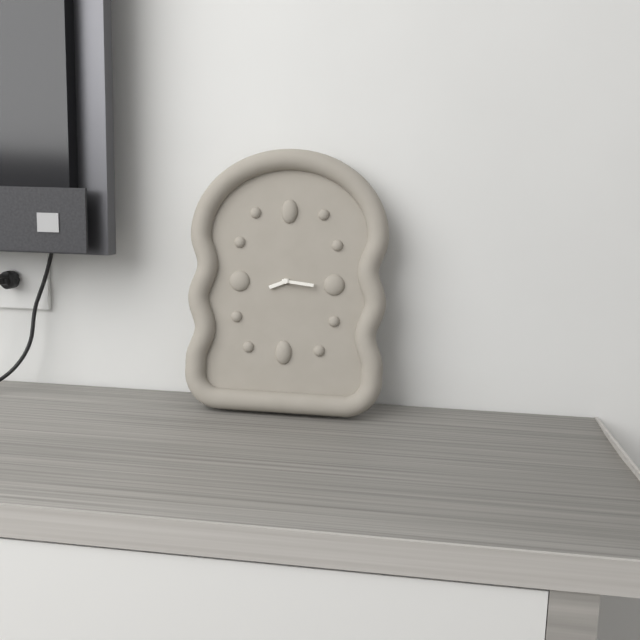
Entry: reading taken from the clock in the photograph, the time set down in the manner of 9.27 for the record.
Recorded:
8.16
